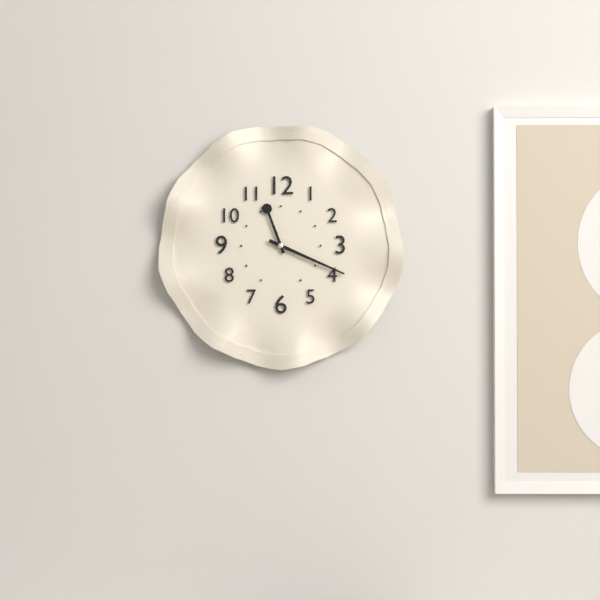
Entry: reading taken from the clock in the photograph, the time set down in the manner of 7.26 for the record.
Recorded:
11.19
